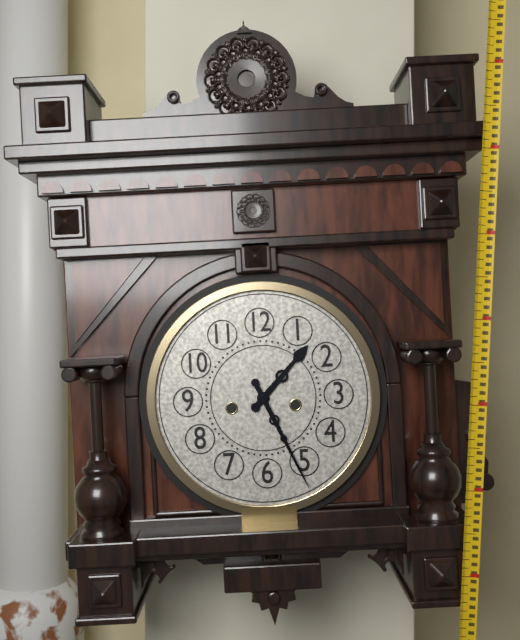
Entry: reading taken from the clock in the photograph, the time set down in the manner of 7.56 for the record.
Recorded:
1.26
